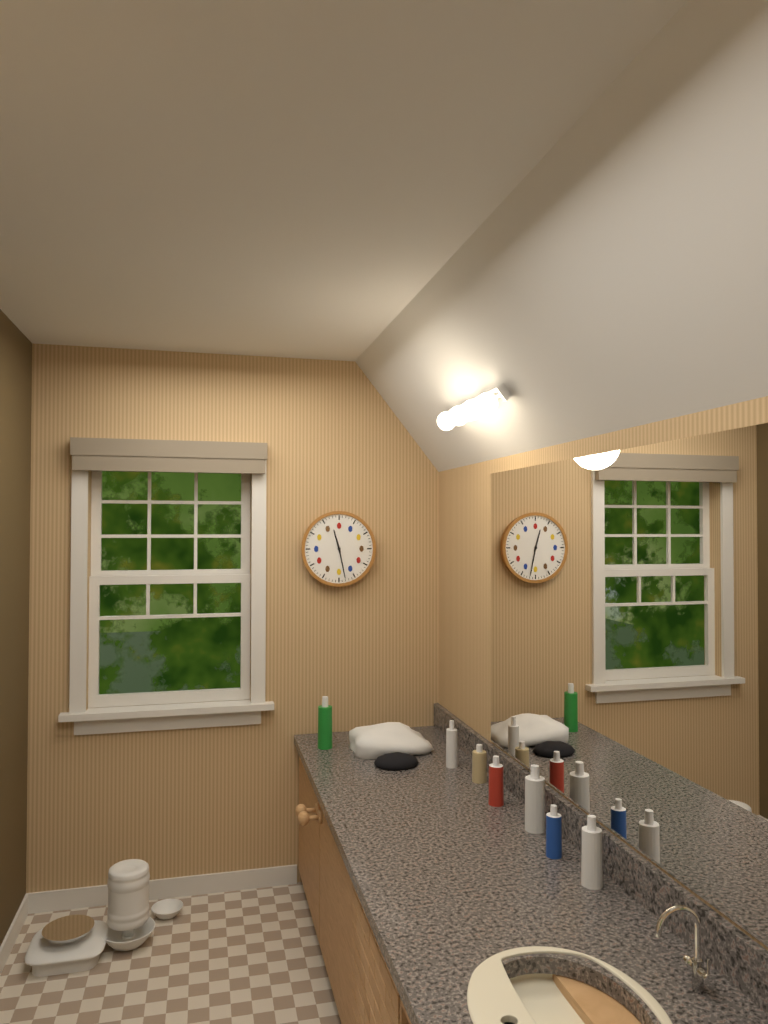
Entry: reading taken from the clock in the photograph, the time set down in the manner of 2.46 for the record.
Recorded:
11.28
